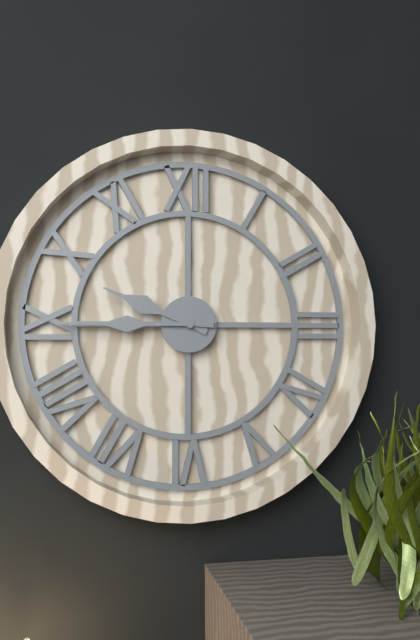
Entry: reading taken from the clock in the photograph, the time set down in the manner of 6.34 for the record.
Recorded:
9.45
